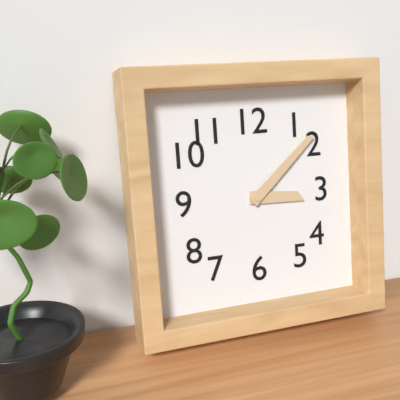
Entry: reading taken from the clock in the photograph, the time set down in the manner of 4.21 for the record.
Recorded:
3.08
